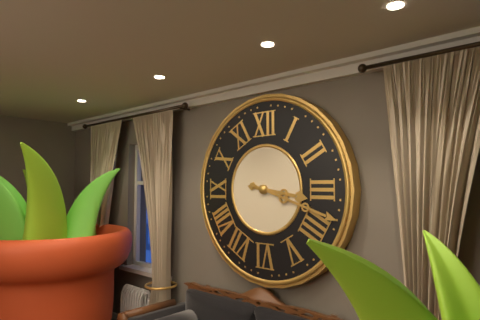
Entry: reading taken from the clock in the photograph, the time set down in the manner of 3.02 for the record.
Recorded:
3.18
